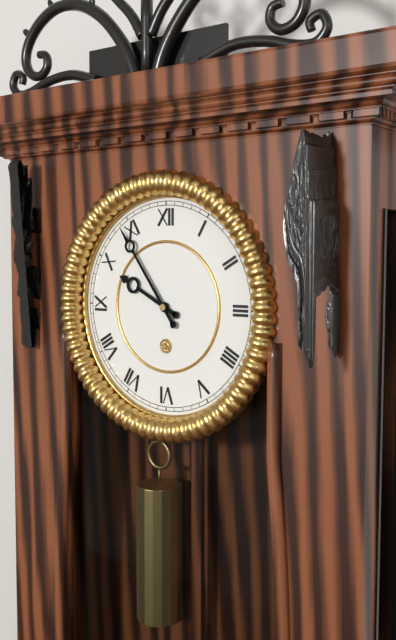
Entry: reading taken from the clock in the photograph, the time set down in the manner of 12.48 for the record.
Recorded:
9.54
